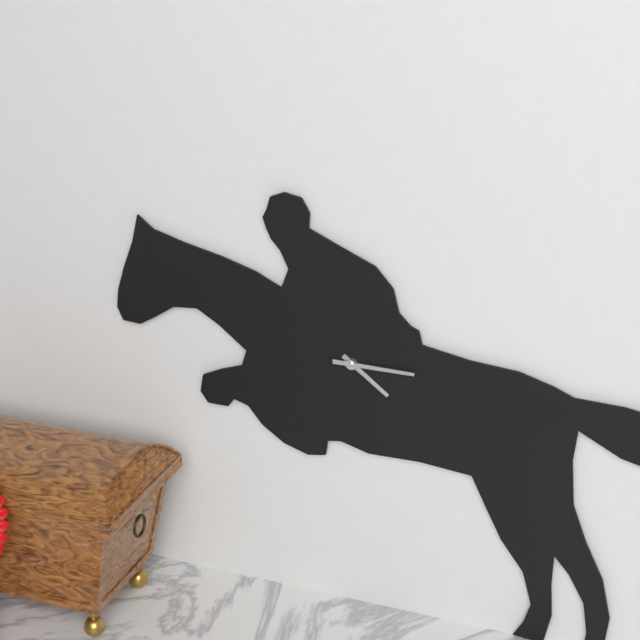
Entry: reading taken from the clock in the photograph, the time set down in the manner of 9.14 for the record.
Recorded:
4.15
